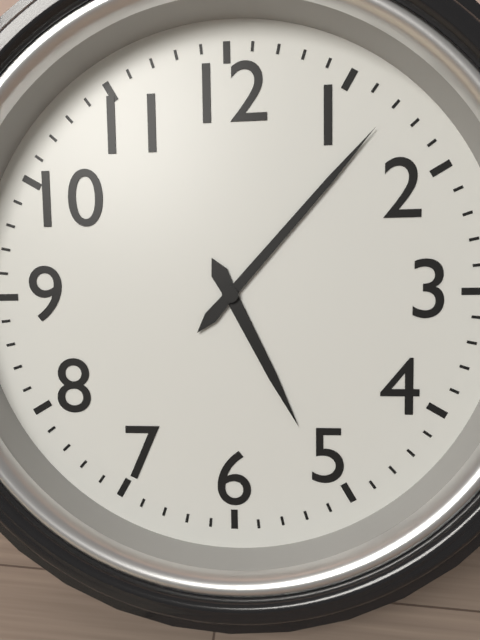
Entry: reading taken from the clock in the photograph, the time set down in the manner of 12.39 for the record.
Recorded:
5.07
